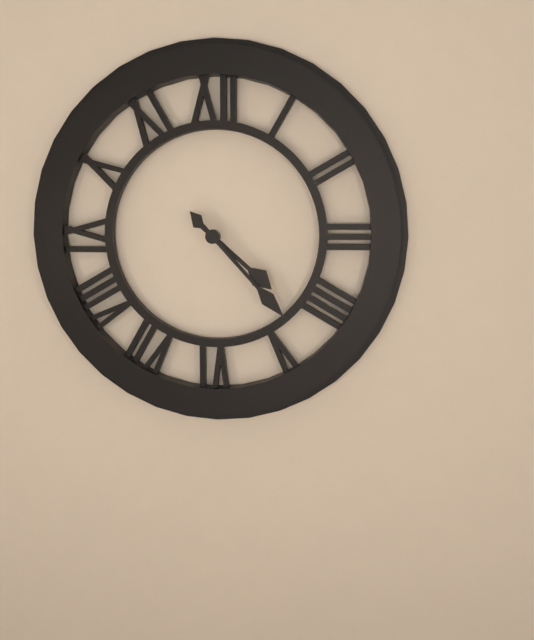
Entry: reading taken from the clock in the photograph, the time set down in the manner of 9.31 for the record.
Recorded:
4.23
